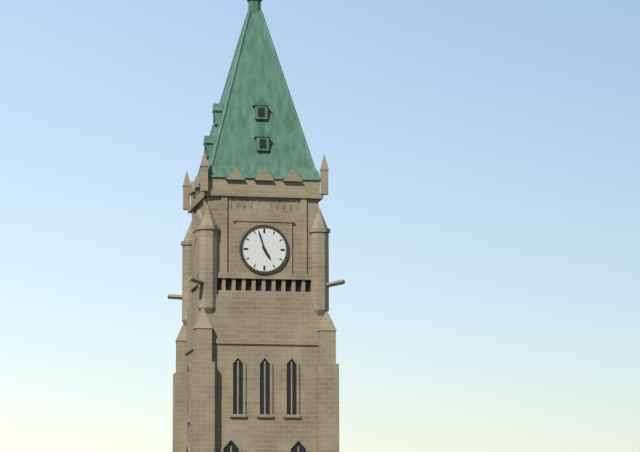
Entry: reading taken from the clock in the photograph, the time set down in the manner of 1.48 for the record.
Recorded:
4.57
